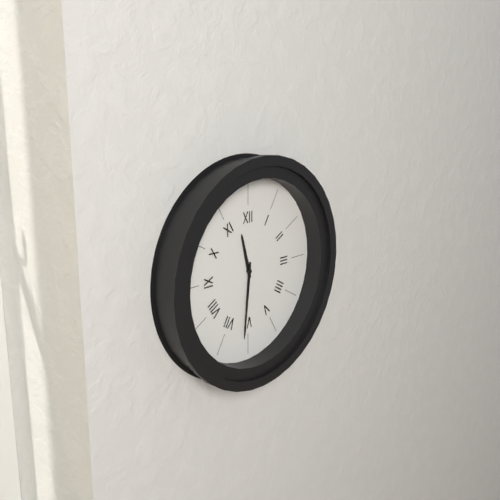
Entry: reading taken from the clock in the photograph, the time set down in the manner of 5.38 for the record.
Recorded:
11.31
